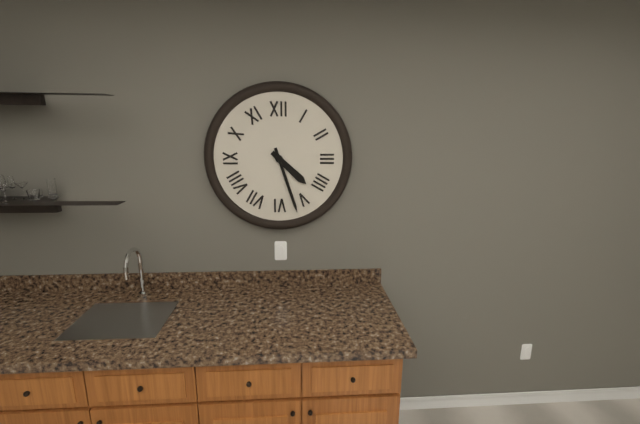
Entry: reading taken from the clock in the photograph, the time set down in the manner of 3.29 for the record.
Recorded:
4.27
